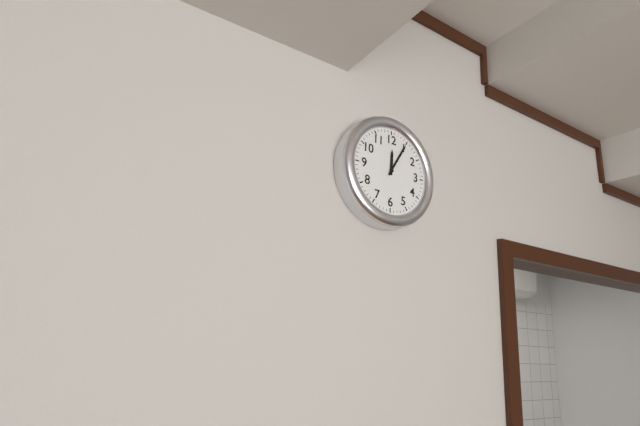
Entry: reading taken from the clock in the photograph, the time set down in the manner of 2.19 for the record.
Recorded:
12.05
